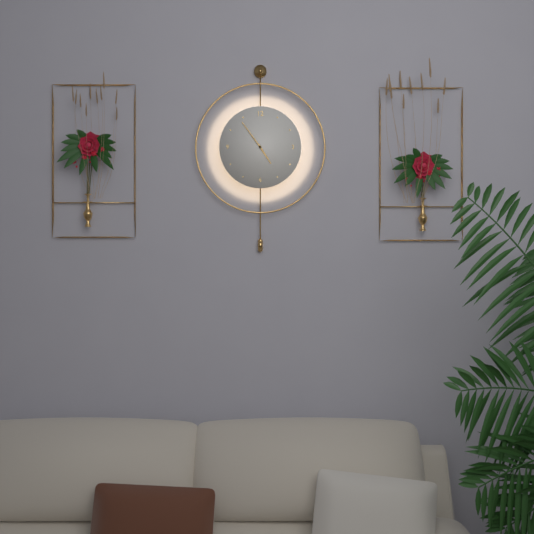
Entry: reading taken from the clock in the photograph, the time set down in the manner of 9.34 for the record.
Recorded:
4.54
